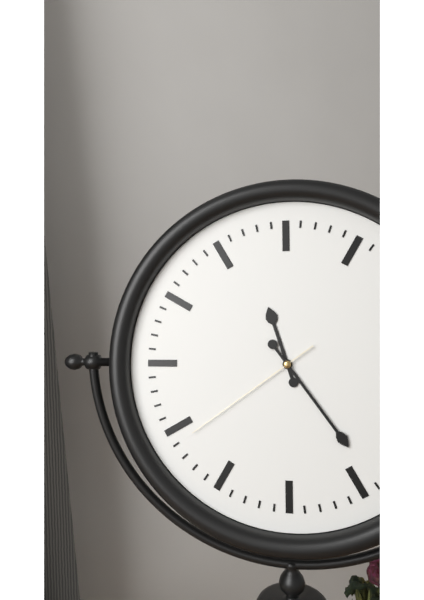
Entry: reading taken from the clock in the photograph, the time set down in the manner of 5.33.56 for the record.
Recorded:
11.24.39
